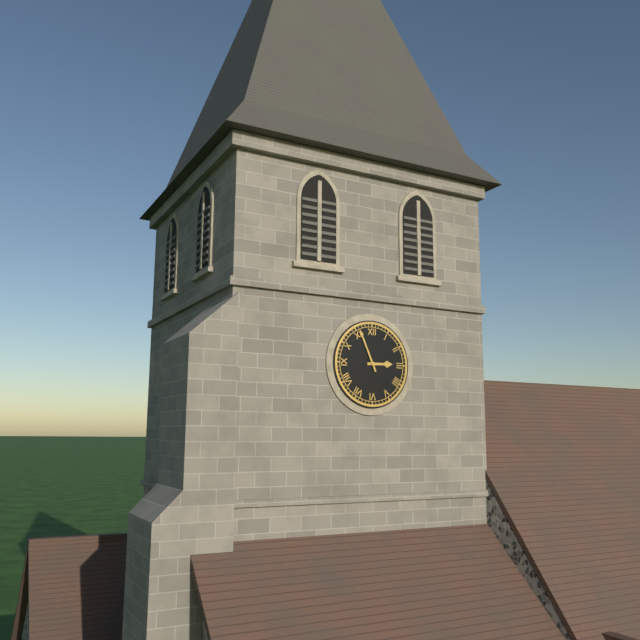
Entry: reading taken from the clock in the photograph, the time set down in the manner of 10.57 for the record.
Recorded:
2.56
